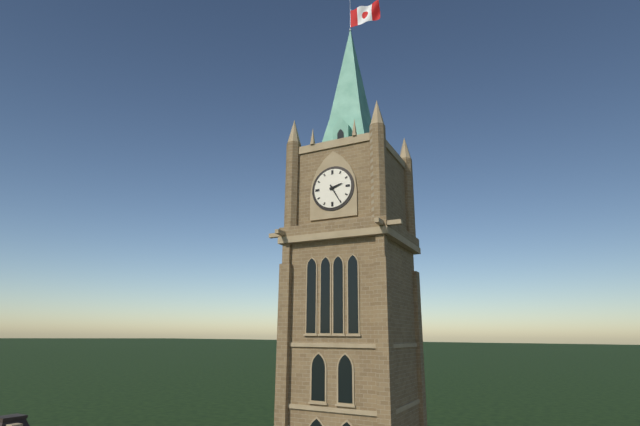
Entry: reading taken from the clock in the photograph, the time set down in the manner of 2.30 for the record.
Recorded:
2.25
